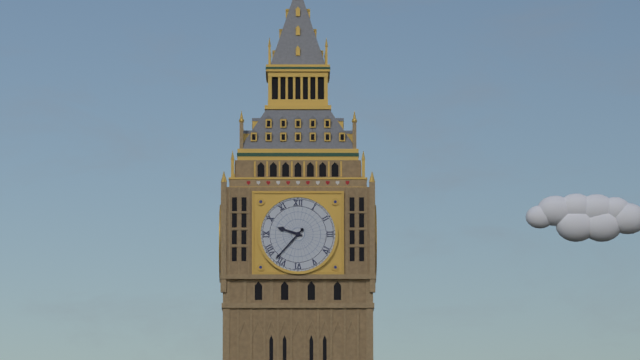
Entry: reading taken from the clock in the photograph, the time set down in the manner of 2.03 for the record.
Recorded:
9.37
